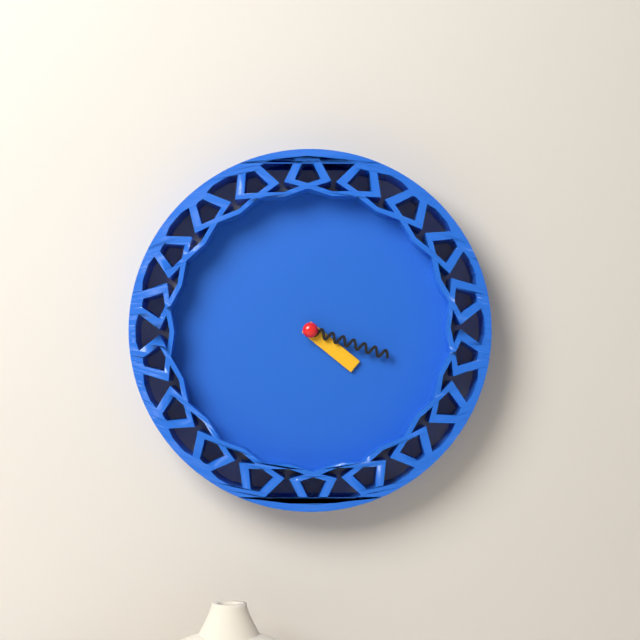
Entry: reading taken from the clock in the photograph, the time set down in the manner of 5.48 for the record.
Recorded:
4.18
